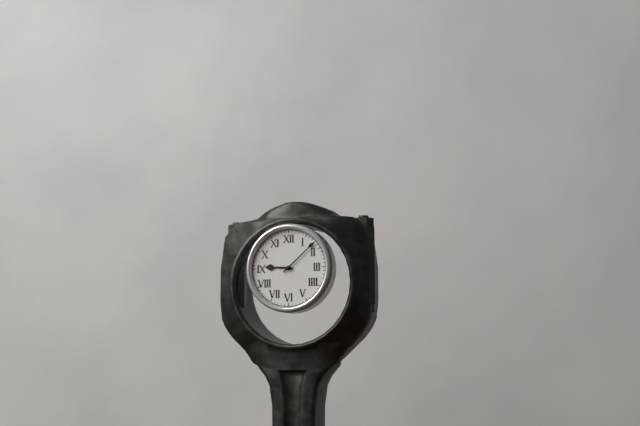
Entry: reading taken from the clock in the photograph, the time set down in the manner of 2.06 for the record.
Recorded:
9.08
